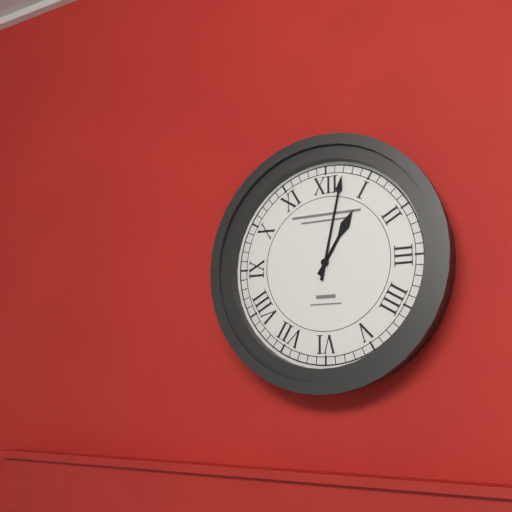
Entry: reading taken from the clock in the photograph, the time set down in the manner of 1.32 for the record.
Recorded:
1.02
